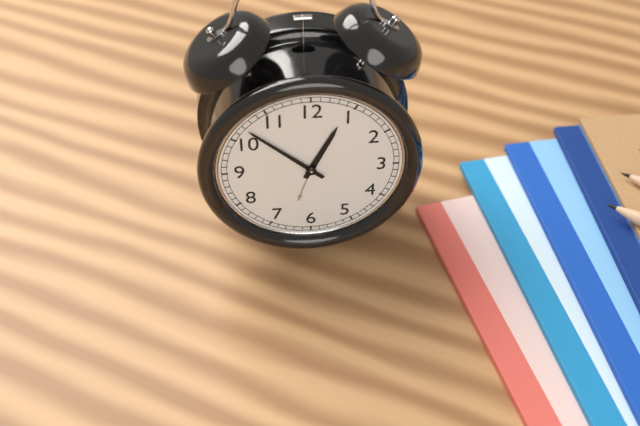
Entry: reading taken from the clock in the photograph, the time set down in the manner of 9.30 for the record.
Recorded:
12.52
